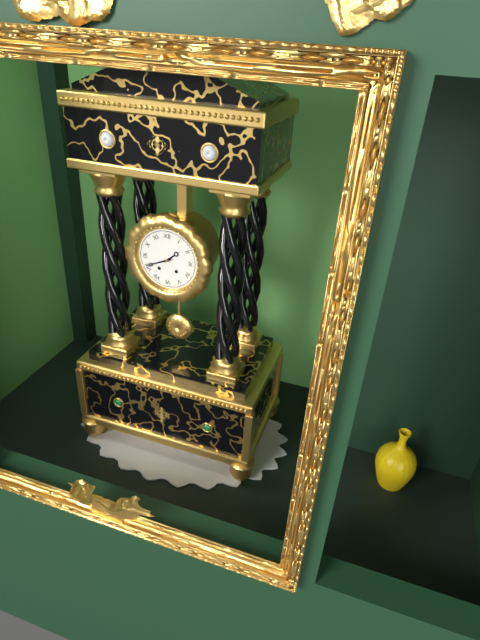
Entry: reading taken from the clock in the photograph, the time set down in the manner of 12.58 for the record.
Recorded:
1.41
